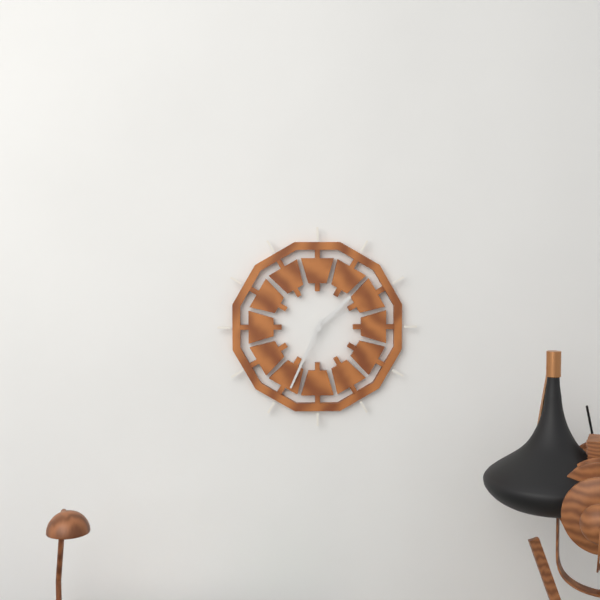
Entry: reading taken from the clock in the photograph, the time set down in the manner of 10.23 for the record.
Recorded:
1.34
